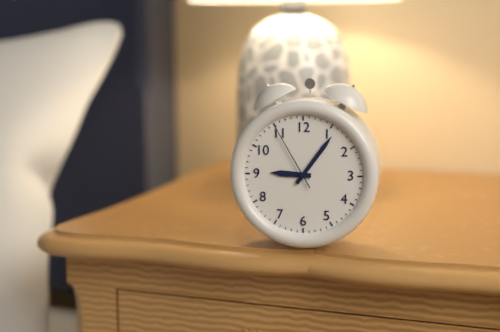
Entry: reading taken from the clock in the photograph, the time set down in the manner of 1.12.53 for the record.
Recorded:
9.06.55
